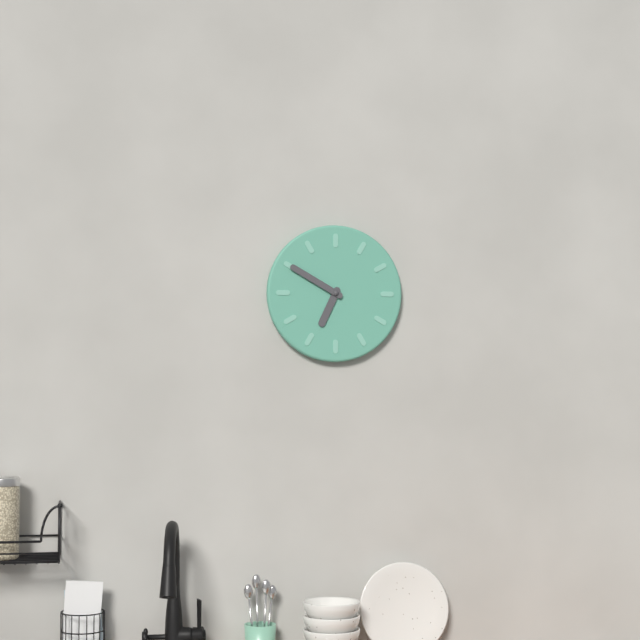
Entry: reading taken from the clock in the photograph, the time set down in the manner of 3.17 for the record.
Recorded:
6.50
